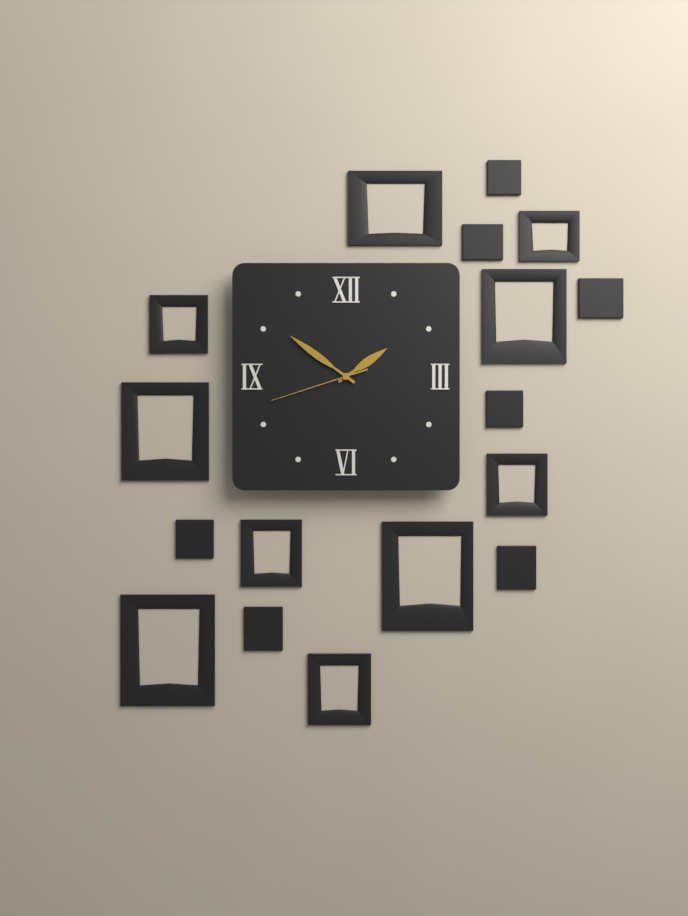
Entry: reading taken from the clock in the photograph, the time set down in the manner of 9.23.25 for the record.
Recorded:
1.51.42
